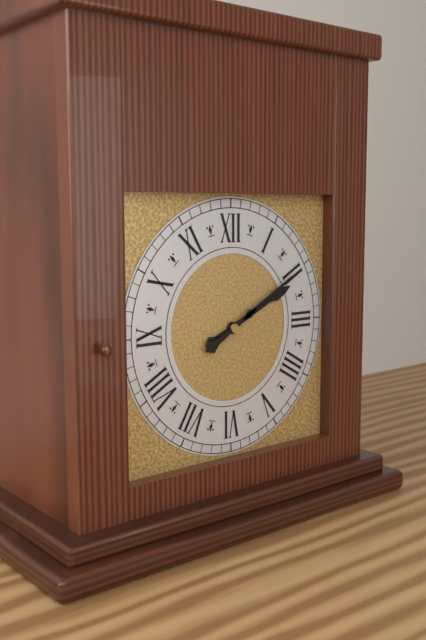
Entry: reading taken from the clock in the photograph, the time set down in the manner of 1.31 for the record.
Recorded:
2.10
